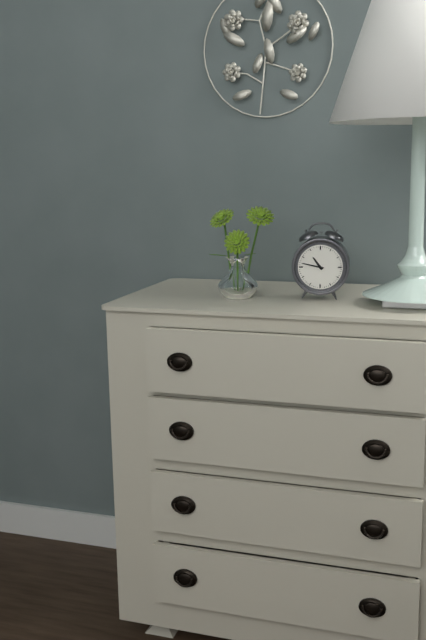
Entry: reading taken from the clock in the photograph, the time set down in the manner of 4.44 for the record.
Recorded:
10.47
